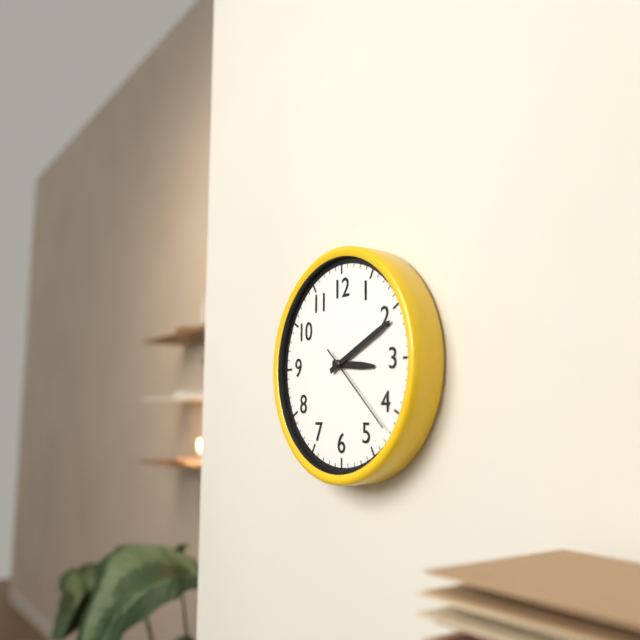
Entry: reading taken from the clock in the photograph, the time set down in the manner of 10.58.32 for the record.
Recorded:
3.11.22
